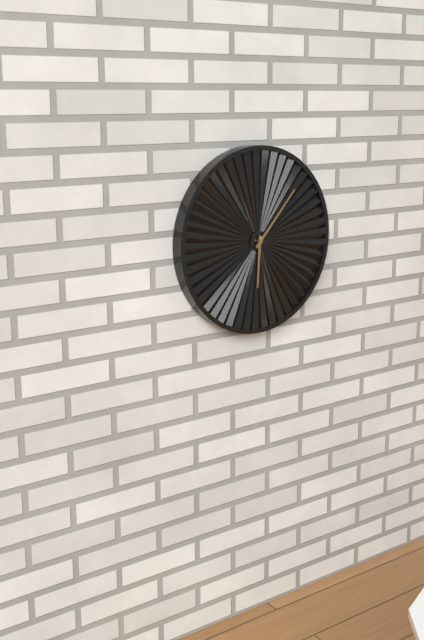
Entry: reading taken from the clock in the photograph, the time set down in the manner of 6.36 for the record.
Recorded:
6.07
